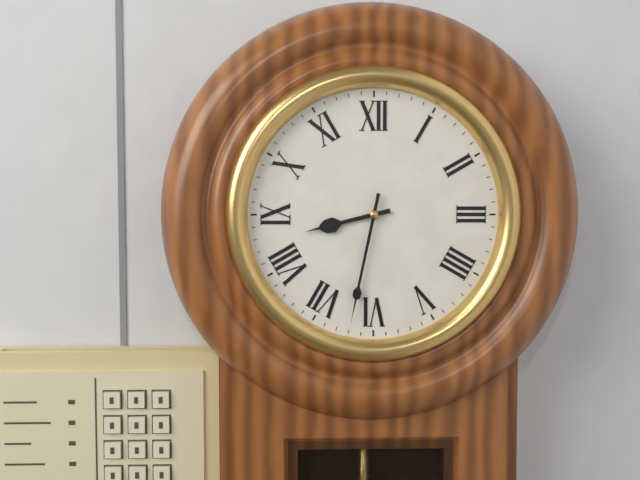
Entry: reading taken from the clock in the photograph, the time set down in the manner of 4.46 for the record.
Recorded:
8.32
